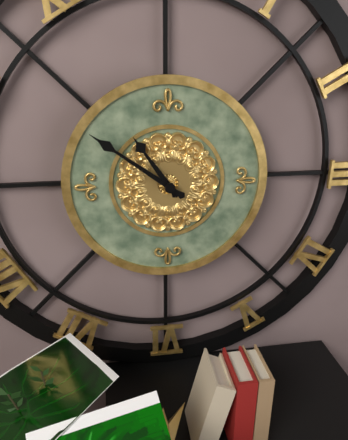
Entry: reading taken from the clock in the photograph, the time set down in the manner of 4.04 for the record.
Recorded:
10.51
